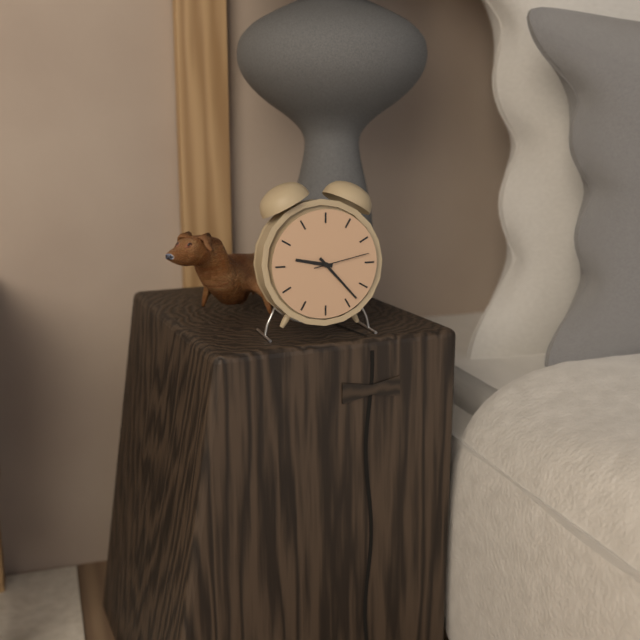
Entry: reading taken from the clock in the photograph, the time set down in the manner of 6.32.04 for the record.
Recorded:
9.23.13
